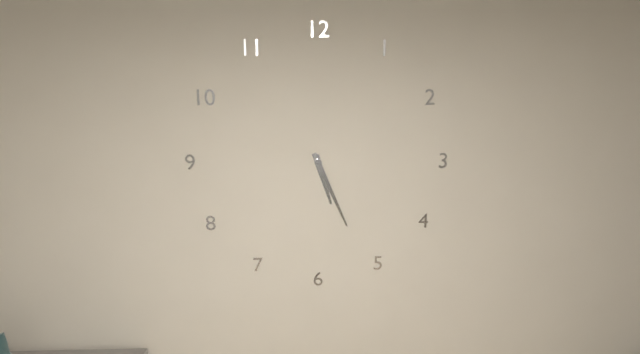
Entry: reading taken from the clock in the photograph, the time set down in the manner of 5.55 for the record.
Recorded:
5.26
